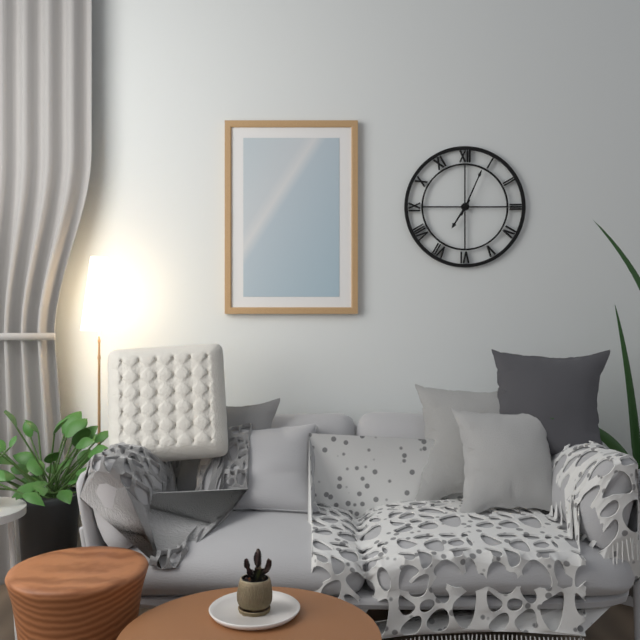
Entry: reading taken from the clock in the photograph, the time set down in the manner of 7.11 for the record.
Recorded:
7.04
